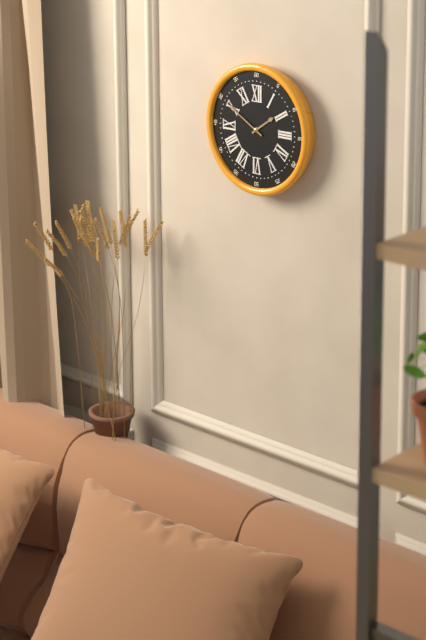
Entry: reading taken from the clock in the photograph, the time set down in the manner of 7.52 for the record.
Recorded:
1.50
